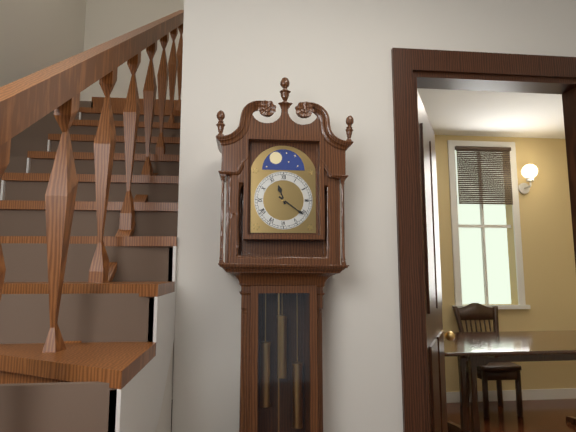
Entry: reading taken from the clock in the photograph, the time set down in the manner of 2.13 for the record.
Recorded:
11.21
